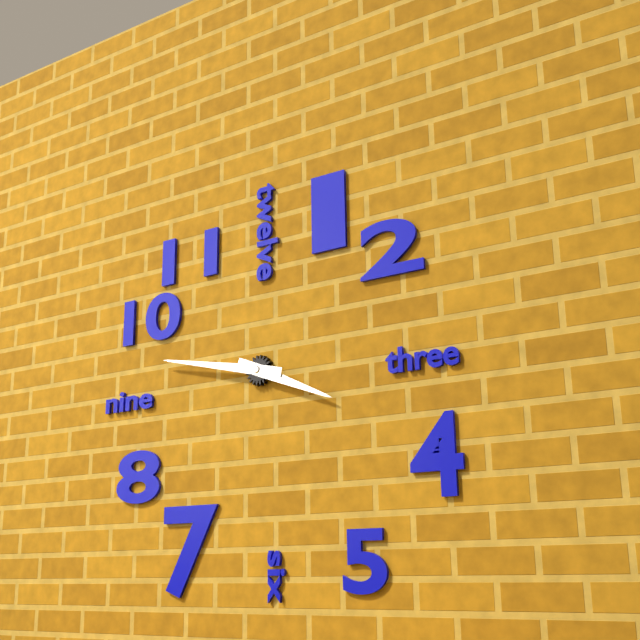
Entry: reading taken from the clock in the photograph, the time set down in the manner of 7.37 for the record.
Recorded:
3.47
